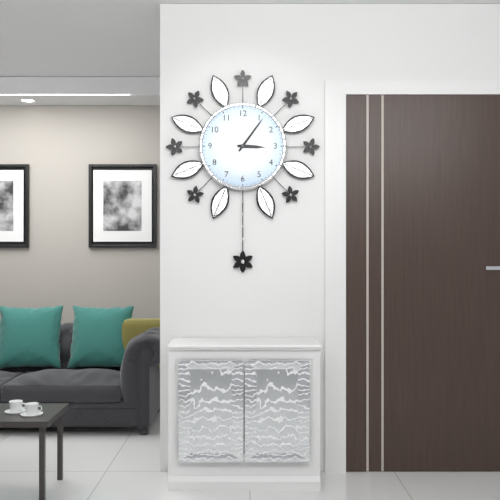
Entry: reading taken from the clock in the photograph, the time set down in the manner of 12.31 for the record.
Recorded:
3.06
